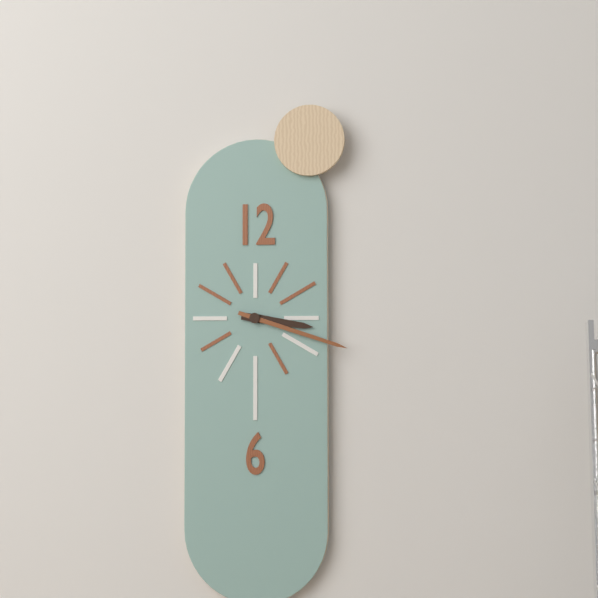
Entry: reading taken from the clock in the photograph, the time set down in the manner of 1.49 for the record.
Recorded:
3.18
